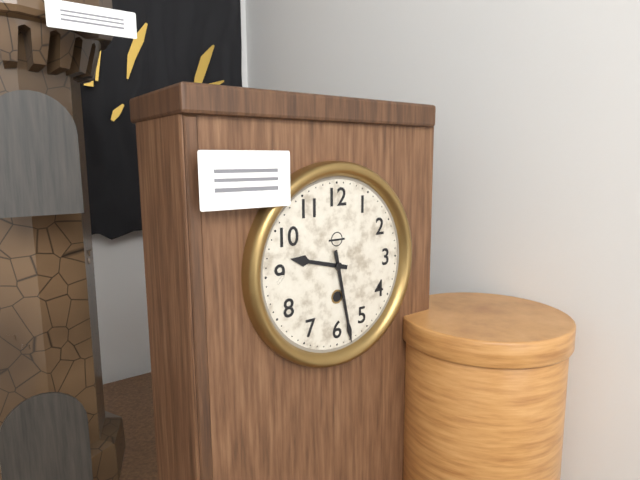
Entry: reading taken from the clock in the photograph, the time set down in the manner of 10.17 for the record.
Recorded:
9.28
